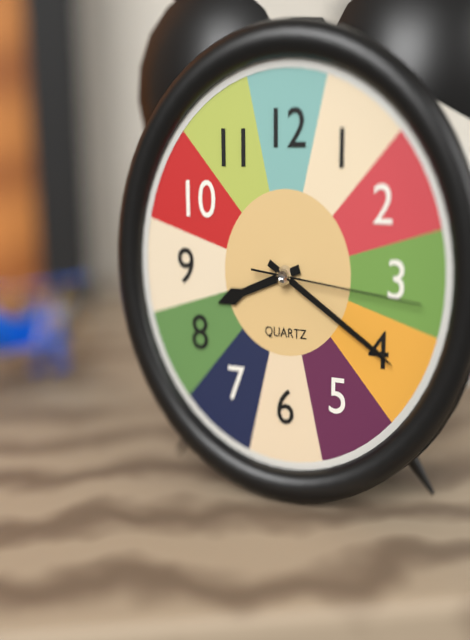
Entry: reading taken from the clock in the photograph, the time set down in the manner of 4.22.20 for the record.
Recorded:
8.20.16
